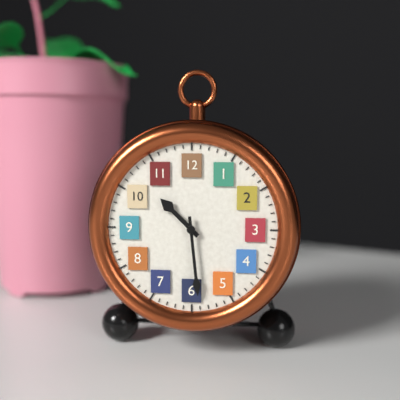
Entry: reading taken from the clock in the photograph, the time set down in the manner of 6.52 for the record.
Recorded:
10.29
